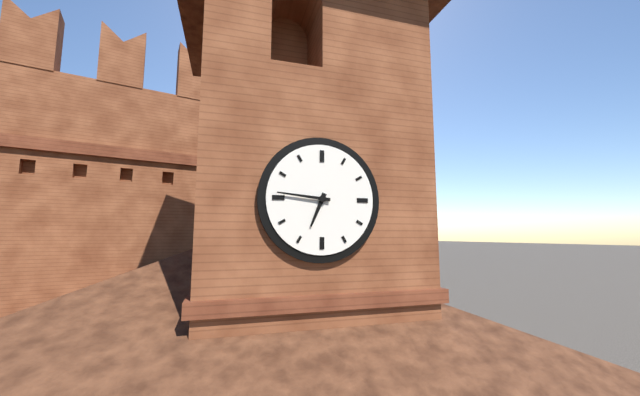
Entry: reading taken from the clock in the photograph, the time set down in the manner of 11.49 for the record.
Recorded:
6.46
